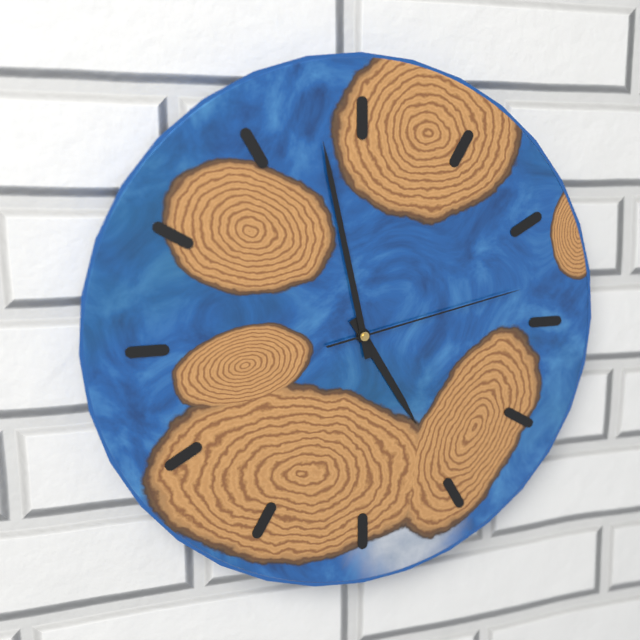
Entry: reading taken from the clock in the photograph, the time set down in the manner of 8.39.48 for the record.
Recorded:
4.58.13
